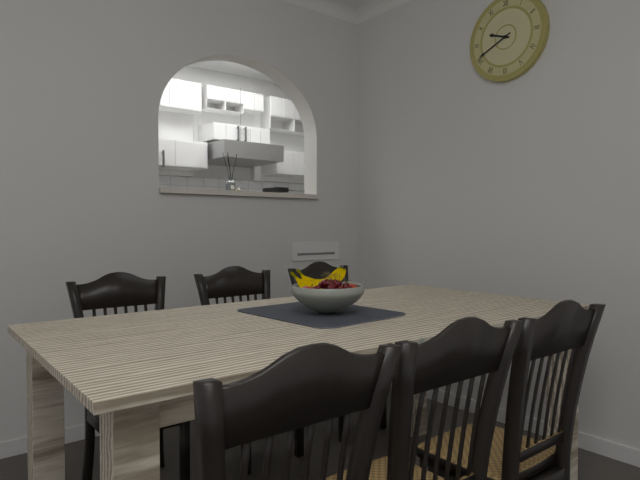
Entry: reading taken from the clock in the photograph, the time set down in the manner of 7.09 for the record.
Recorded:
9.41
